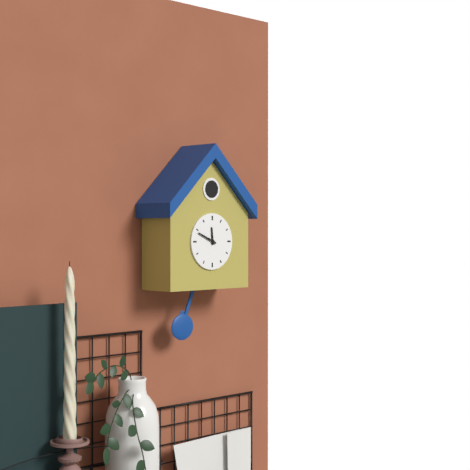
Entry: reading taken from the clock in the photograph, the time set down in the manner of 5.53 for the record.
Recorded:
11.49
